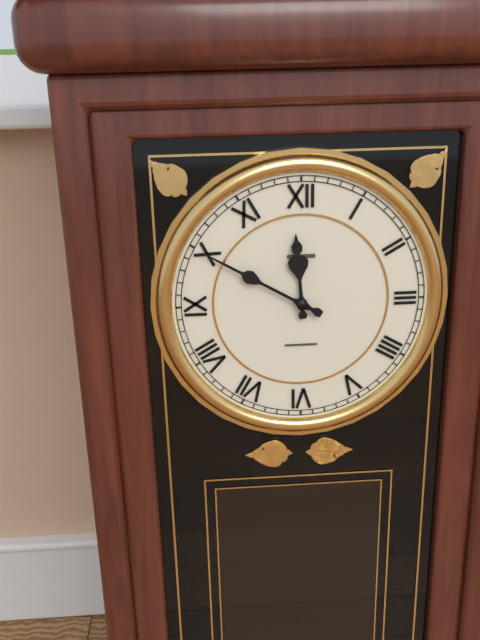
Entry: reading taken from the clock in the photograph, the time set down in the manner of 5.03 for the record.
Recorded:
11.50
